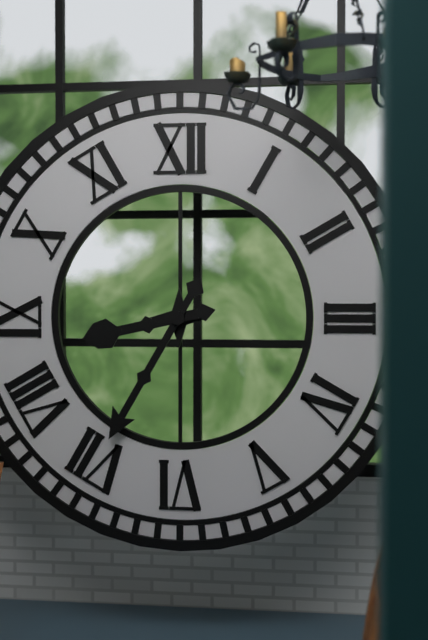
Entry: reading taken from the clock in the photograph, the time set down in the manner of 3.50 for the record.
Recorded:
8.35
